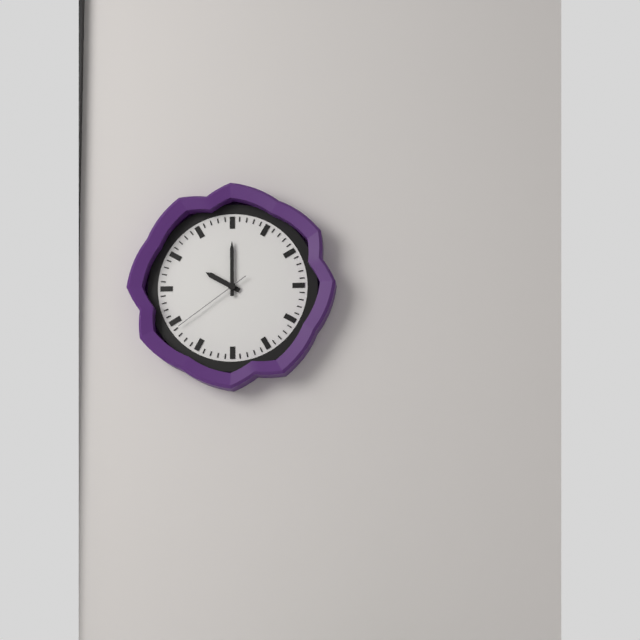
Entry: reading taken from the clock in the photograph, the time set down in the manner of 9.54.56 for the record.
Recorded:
10.00.39
